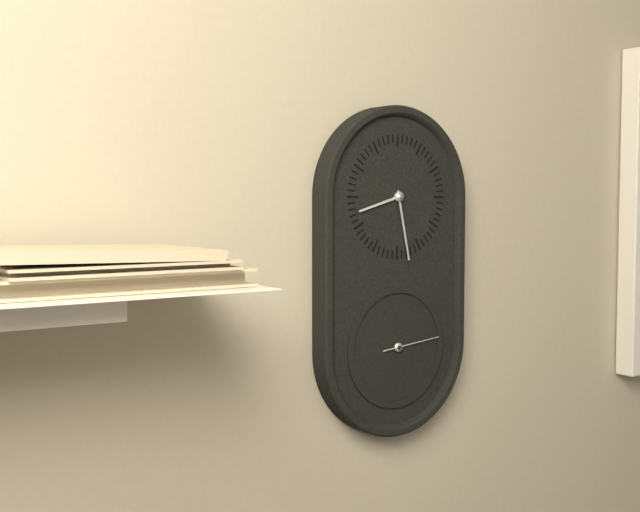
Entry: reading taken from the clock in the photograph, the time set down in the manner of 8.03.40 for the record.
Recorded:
8.28.14
